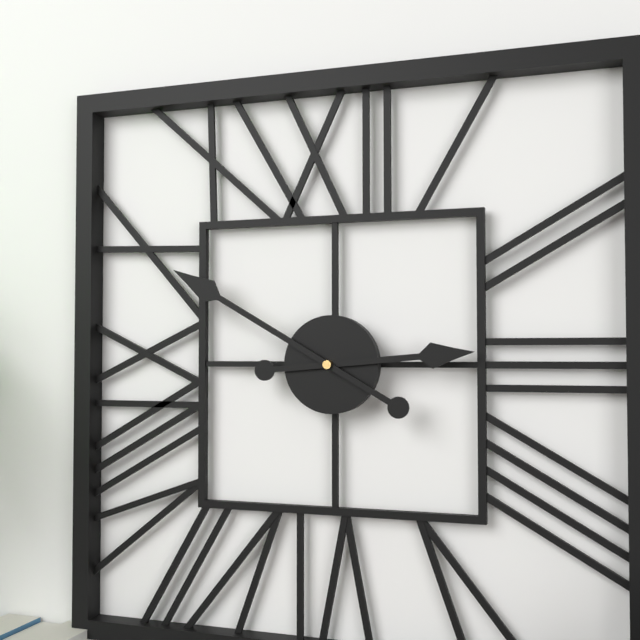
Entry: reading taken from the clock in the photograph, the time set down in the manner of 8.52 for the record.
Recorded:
2.50
